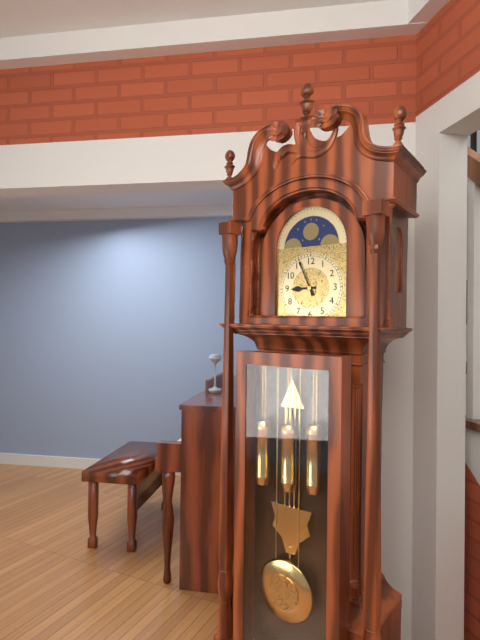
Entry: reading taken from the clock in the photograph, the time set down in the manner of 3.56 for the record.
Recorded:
8.56
